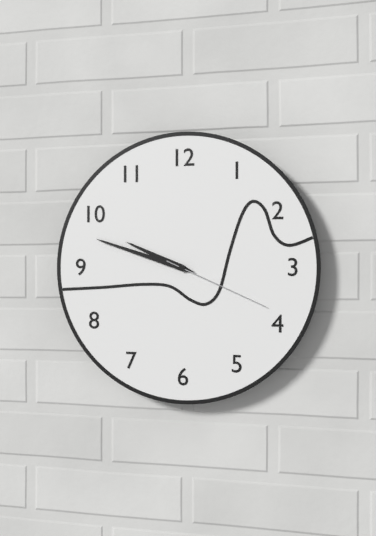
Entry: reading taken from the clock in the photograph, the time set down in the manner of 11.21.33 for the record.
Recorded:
9.48.19
